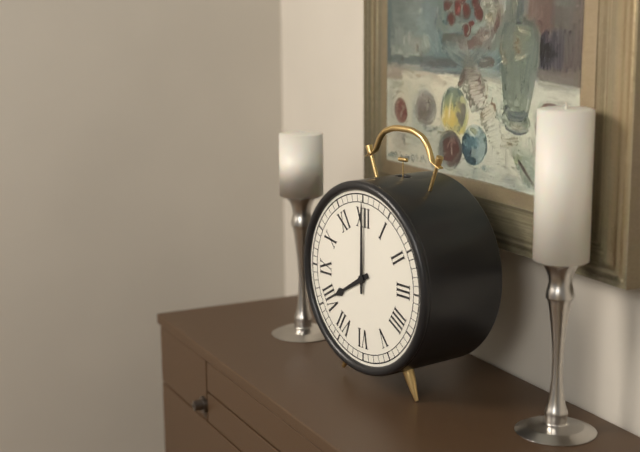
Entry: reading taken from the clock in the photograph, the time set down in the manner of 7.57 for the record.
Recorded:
8.00
